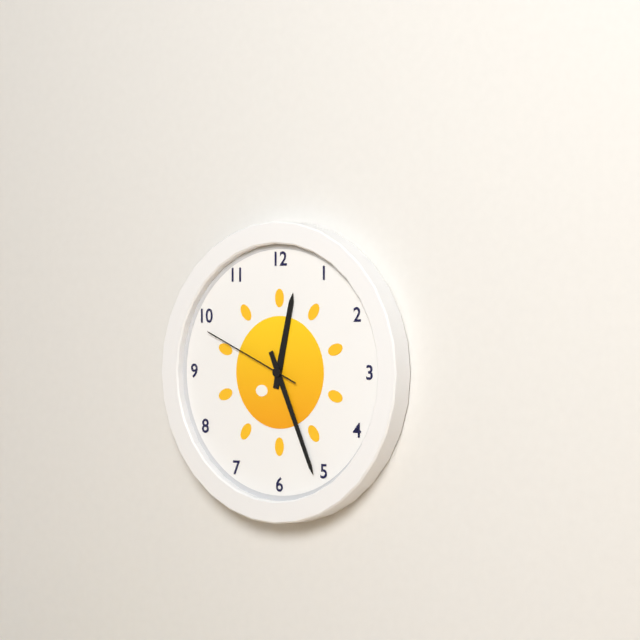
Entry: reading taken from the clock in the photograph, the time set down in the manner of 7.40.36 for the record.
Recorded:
12.26.49
